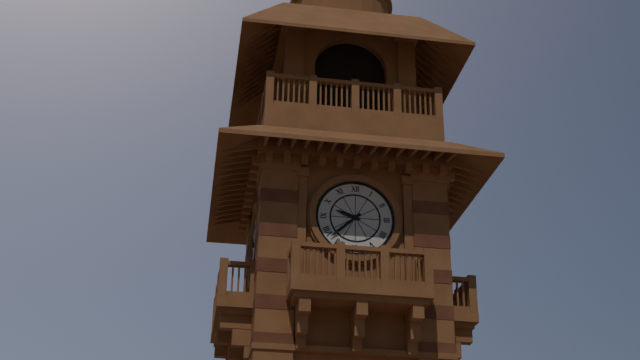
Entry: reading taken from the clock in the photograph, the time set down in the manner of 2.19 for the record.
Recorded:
9.38
